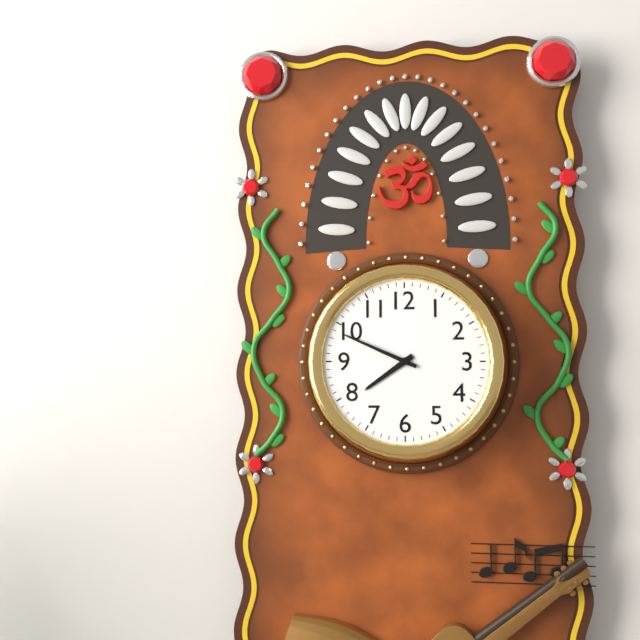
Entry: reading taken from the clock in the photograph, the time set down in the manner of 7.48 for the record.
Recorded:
7.49
